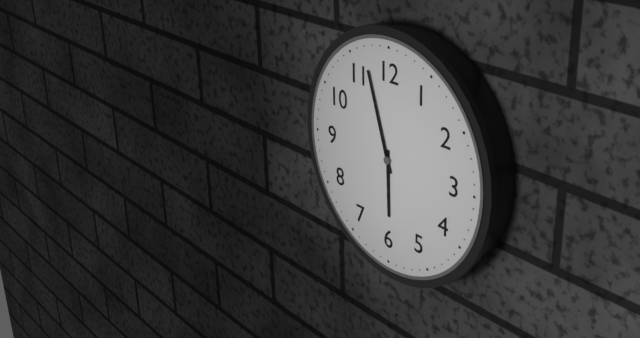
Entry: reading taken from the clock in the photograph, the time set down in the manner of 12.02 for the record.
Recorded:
5.57
